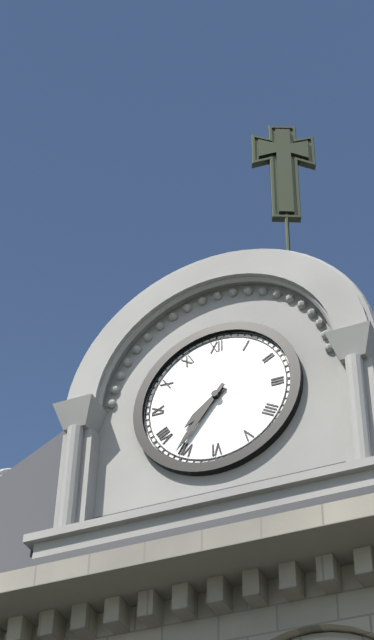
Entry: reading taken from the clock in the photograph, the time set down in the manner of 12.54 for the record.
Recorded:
7.36
